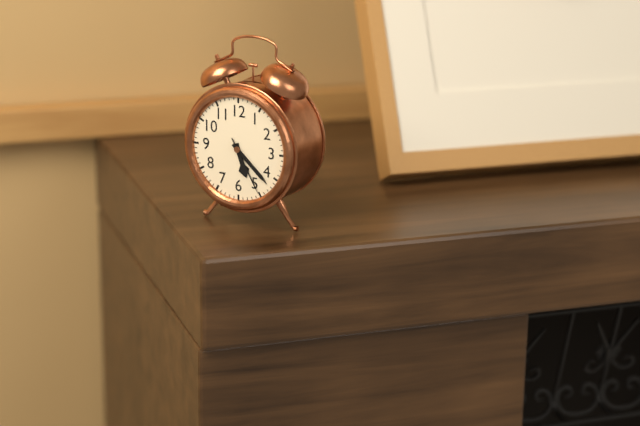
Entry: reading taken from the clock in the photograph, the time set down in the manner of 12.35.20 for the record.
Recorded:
5.22.25
